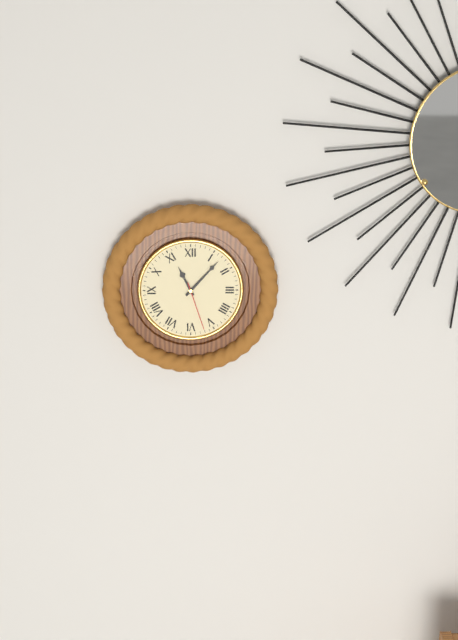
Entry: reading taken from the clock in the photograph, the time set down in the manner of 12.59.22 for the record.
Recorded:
11.07.27
